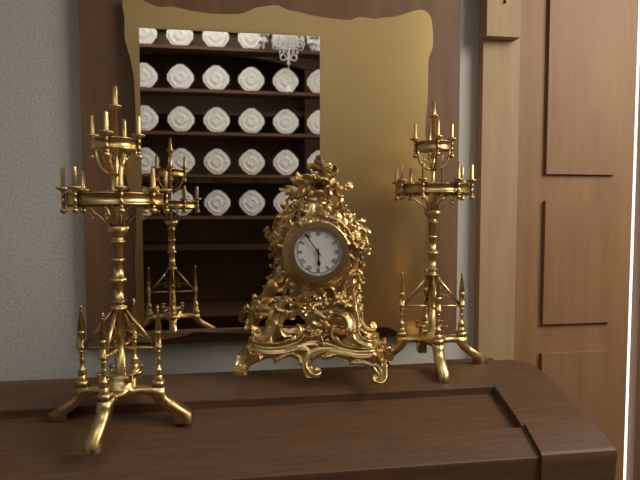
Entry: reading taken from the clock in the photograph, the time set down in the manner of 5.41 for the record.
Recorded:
5.54
